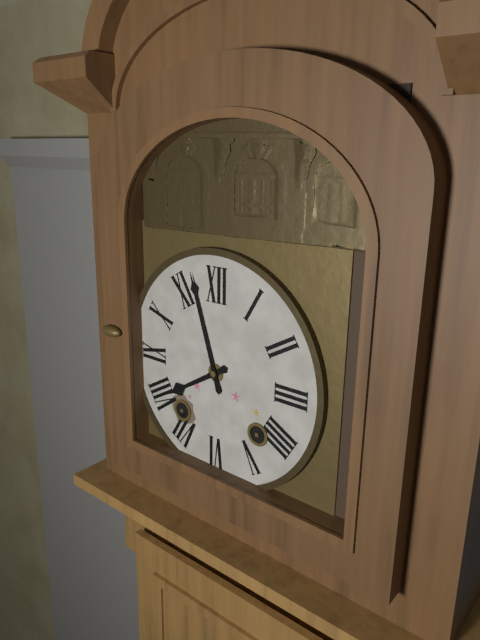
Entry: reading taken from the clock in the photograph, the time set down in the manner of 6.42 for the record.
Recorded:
7.57
